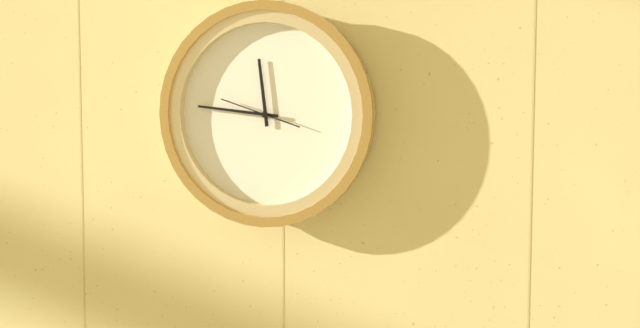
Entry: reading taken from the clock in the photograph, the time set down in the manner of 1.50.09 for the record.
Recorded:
11.46.48
